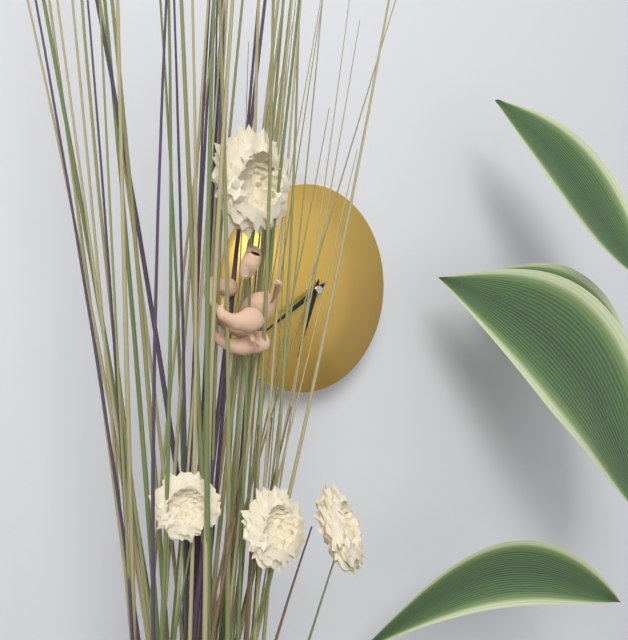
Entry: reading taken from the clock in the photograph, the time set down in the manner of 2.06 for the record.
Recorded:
6.40
